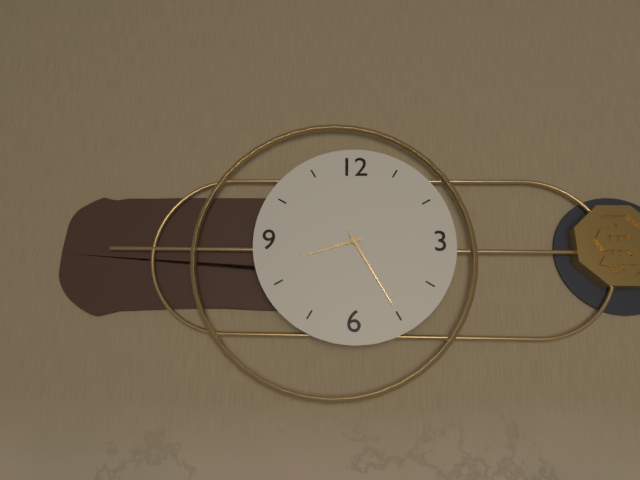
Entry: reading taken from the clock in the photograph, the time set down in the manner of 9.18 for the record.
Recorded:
8.25
